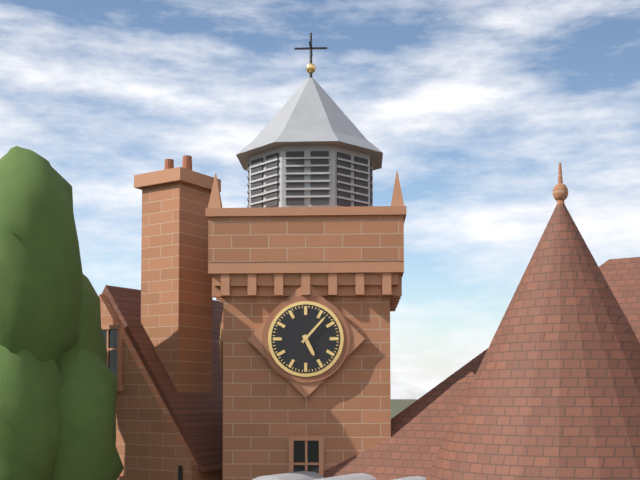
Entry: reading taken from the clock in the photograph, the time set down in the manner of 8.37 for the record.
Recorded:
5.07
